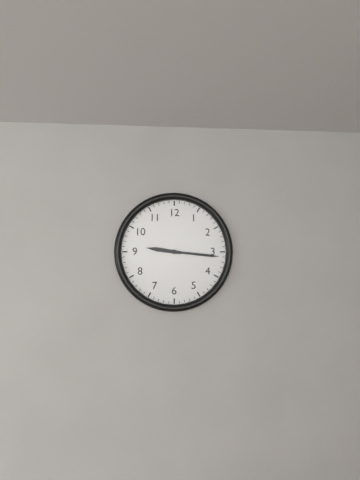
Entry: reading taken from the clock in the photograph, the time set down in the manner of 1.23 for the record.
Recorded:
9.16
